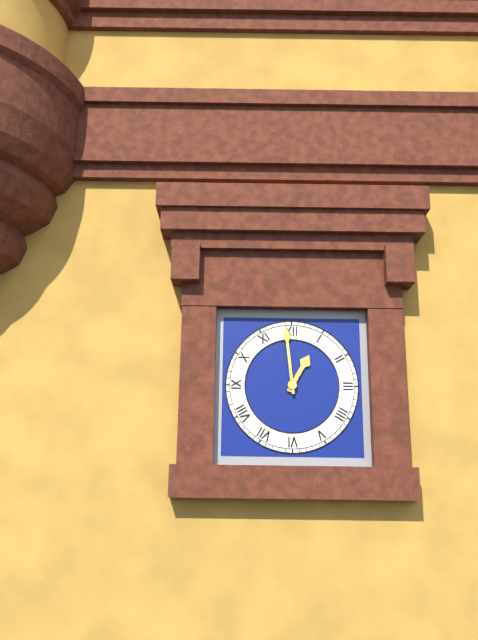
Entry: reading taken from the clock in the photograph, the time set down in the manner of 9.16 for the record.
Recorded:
12.59
